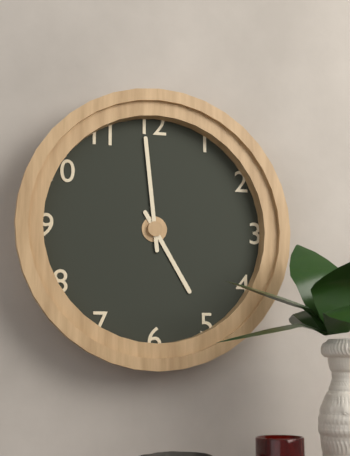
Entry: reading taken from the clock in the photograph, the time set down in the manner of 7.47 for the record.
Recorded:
4.59
